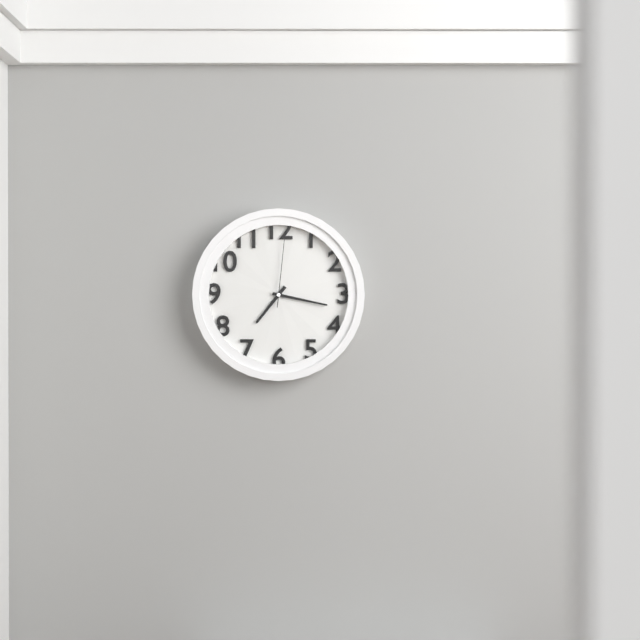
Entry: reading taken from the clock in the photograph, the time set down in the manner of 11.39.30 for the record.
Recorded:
7.17.01
